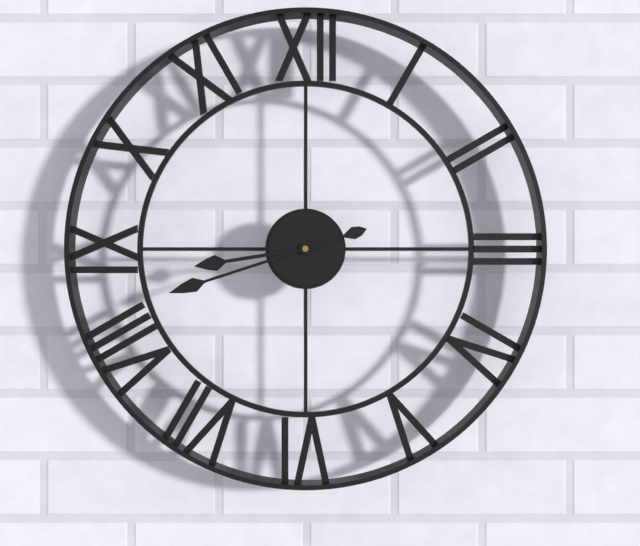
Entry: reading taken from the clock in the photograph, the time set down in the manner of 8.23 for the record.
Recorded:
8.42
